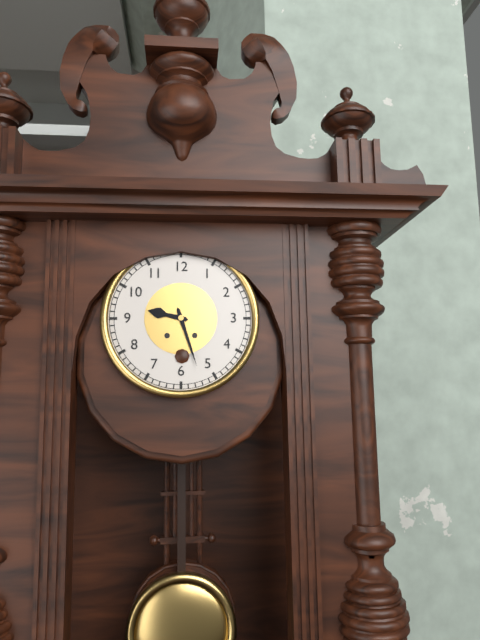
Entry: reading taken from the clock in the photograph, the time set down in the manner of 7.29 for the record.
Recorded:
9.27
